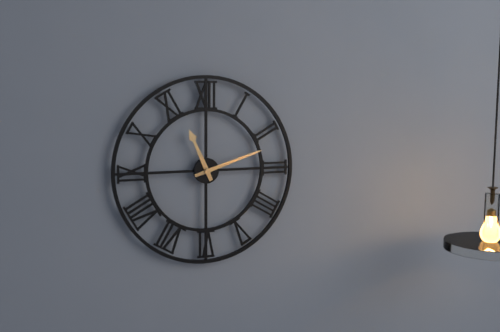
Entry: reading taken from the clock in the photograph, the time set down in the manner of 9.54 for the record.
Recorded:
11.12
